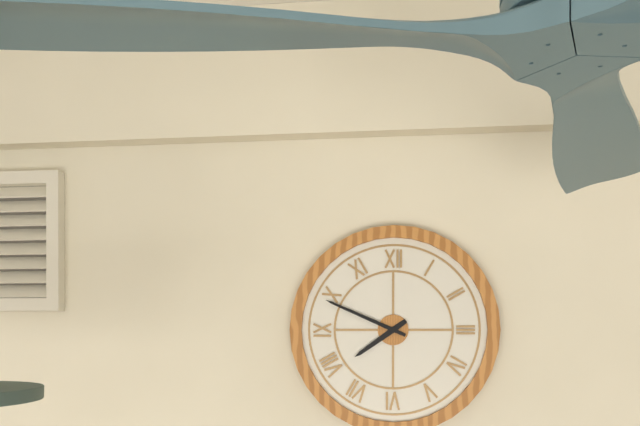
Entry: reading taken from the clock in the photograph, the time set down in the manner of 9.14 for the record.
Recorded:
7.49
